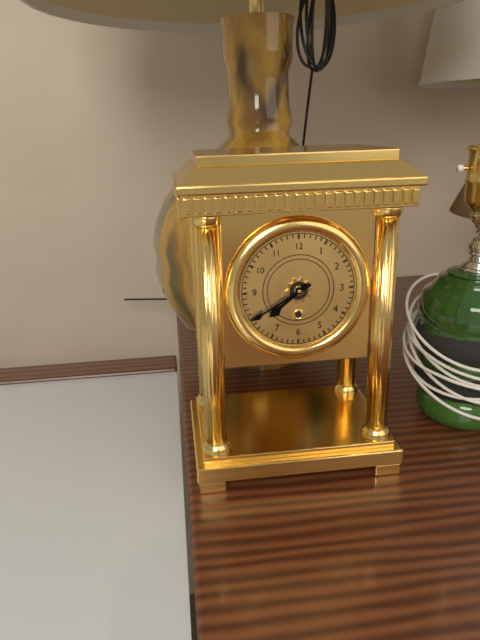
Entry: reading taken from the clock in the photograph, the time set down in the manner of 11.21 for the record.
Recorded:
7.40
